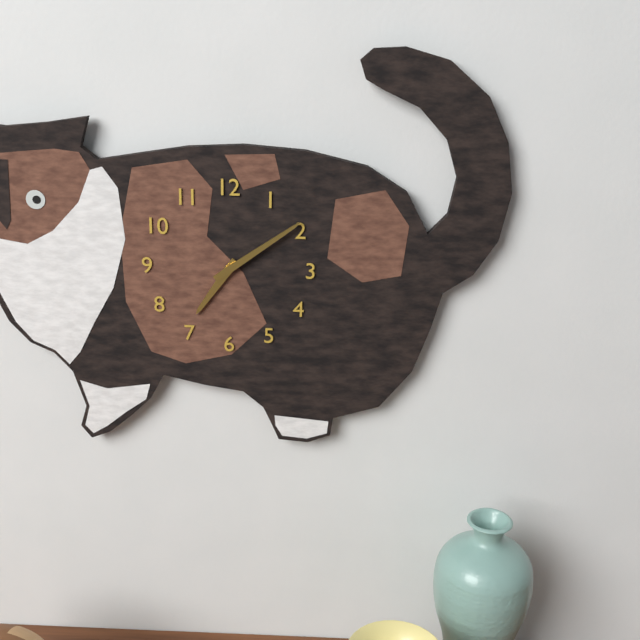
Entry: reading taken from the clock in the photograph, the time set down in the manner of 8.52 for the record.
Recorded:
7.09
